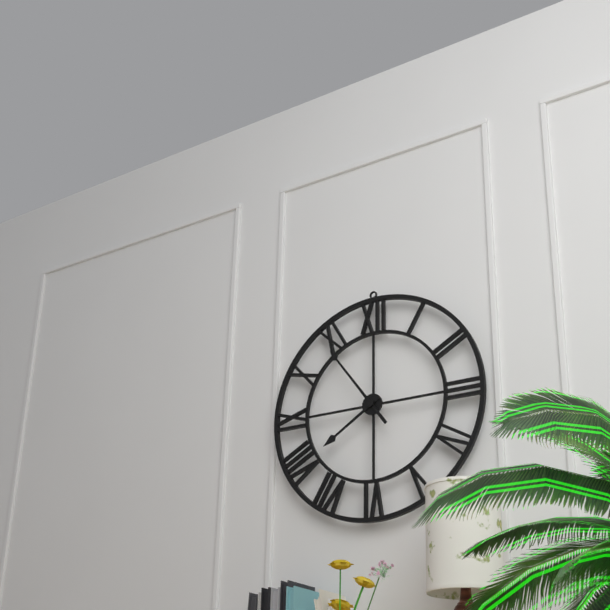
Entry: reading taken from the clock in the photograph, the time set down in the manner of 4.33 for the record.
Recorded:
7.54
